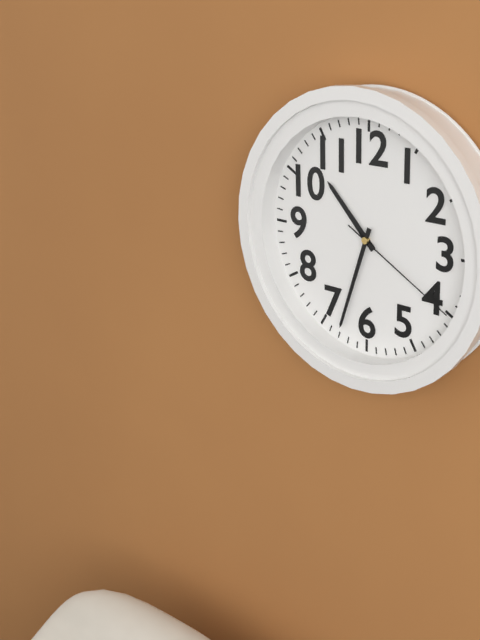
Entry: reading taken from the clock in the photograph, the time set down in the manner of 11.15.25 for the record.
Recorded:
10.33.20
